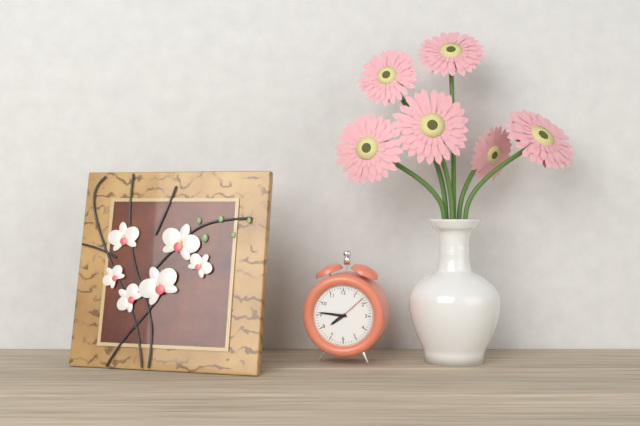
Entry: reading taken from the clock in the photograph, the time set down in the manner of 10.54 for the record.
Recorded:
7.46
